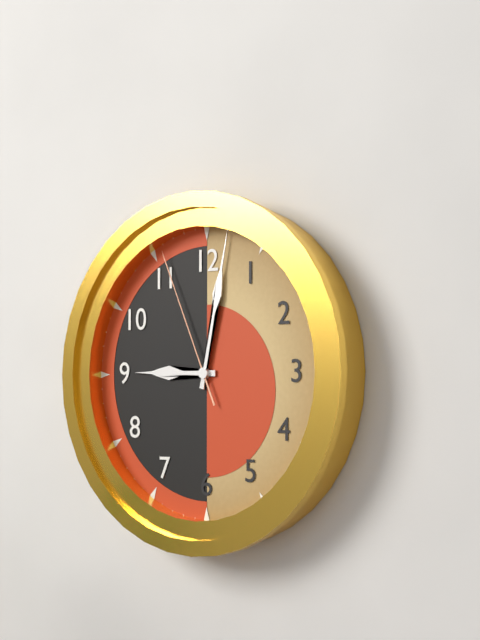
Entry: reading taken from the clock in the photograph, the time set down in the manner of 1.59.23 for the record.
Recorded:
9.02.56
